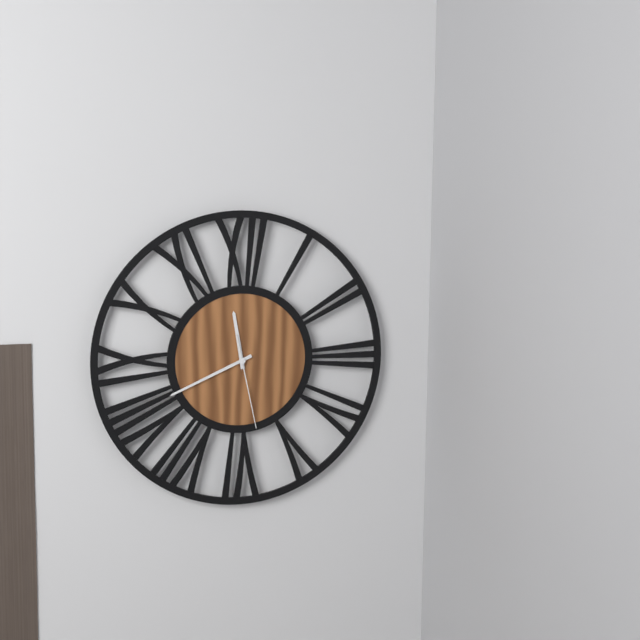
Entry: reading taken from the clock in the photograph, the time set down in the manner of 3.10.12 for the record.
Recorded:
11.41.28
